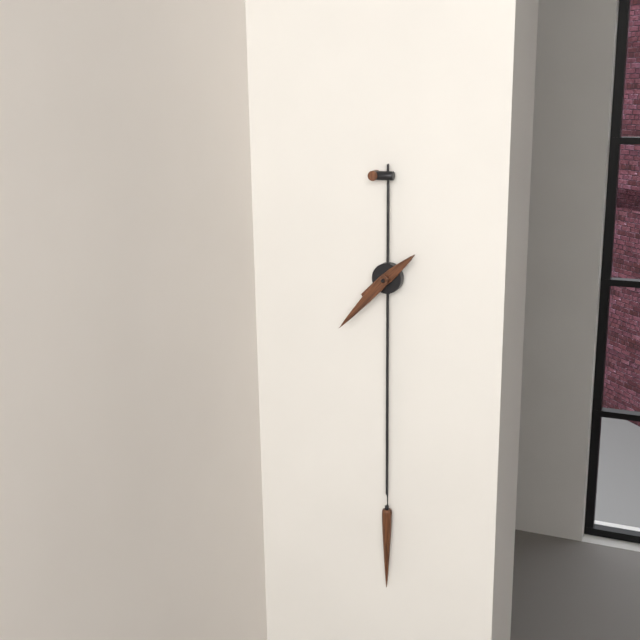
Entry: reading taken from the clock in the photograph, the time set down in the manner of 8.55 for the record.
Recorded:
1.37
